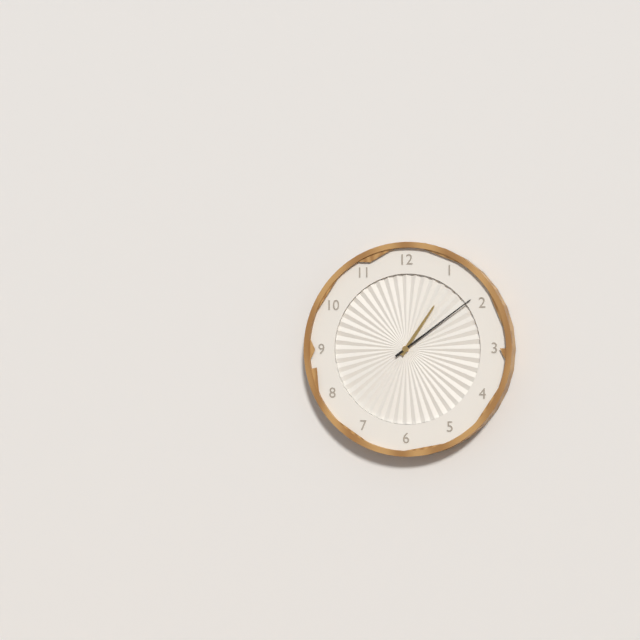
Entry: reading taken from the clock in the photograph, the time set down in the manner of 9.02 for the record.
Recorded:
1.09
